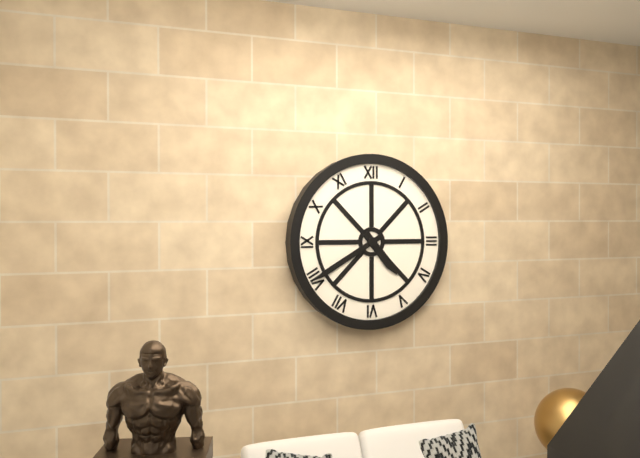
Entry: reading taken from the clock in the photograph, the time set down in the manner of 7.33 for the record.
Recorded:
4.40
